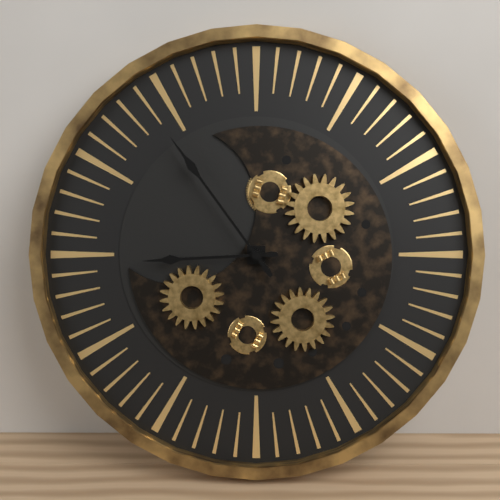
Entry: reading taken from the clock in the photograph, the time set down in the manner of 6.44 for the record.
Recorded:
8.54
